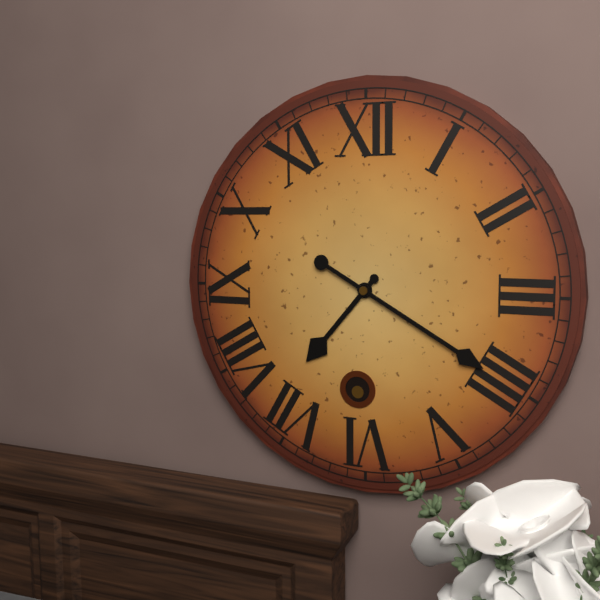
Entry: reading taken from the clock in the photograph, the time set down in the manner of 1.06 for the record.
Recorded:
7.20
